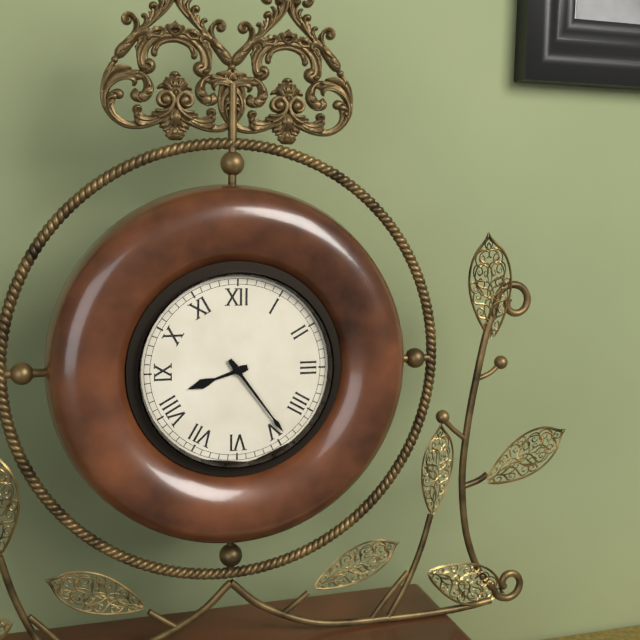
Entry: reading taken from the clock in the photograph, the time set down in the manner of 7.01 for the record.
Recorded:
8.24
